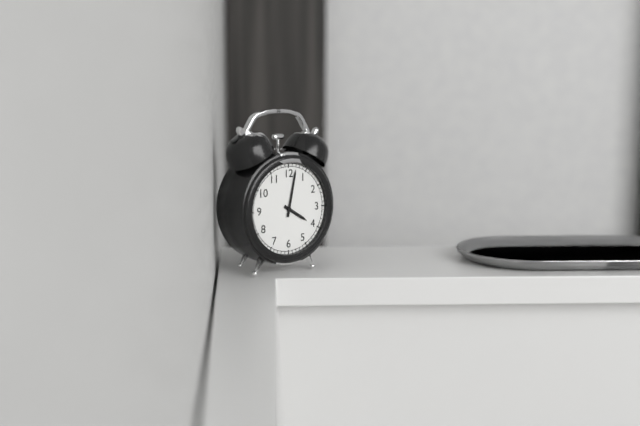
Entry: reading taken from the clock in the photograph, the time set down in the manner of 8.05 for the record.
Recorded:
4.02
